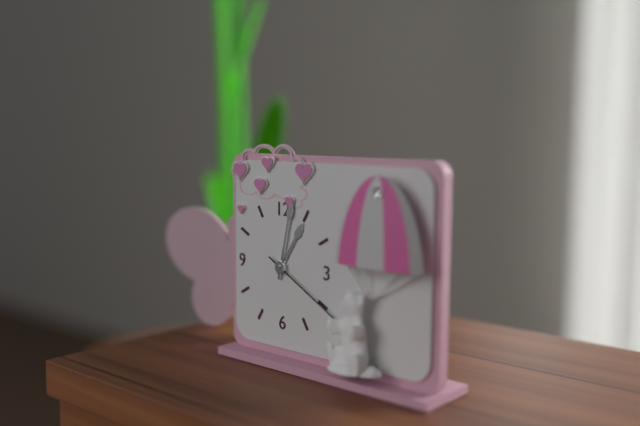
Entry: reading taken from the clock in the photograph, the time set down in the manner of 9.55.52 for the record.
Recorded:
1.02.20
